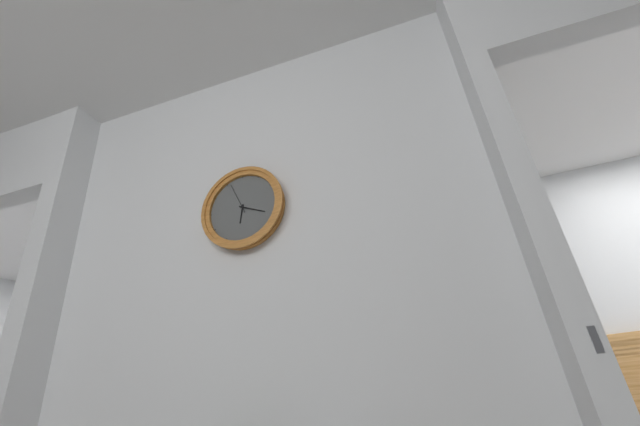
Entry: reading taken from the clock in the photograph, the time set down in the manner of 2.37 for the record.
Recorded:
6.19
